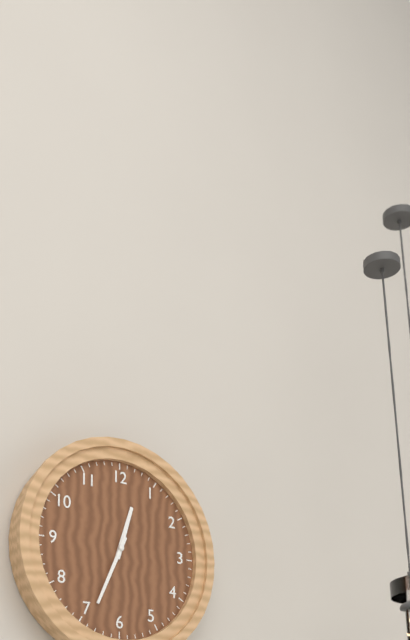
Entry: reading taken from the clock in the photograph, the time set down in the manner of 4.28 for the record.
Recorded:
12.34
